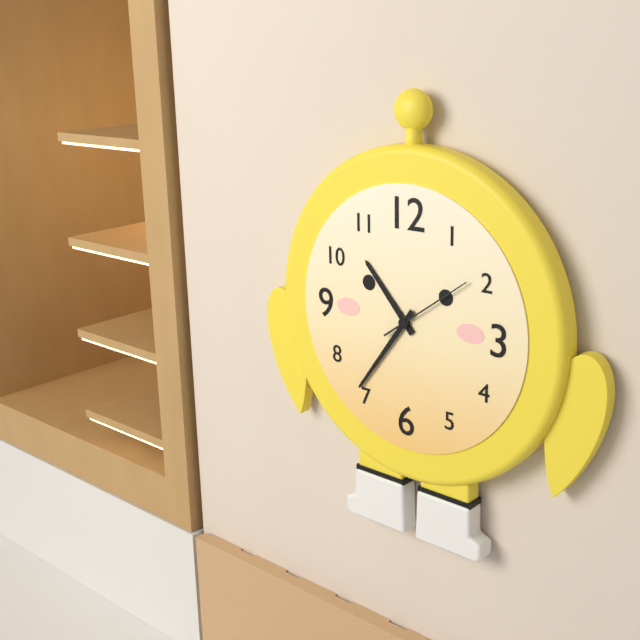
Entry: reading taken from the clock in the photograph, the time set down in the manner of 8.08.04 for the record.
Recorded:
10.36.09
